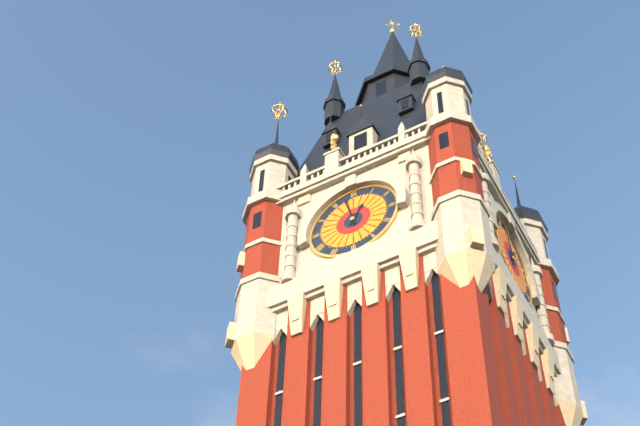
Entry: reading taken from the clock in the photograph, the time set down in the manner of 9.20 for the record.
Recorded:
12.58
